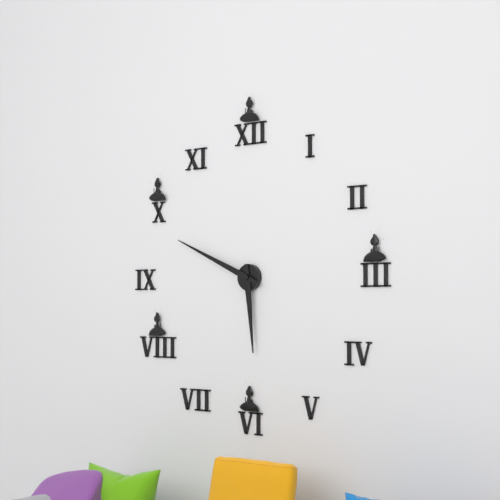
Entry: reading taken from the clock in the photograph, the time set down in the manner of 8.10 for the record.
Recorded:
5.49
